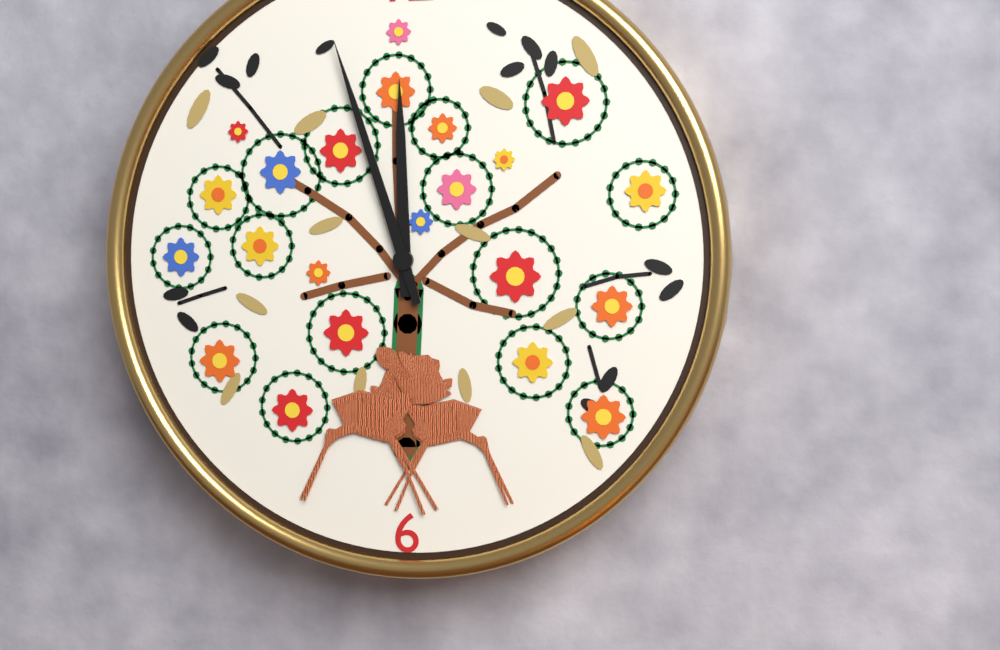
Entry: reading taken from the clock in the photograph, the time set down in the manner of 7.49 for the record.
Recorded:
11.57
